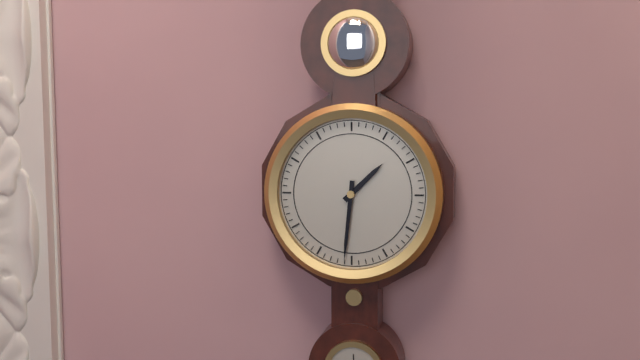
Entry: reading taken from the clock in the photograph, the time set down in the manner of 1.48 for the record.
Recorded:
1.31
